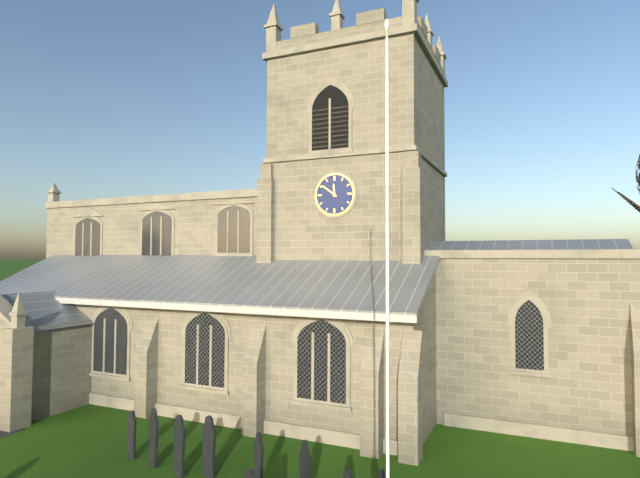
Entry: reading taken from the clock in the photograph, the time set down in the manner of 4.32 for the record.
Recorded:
11.51
